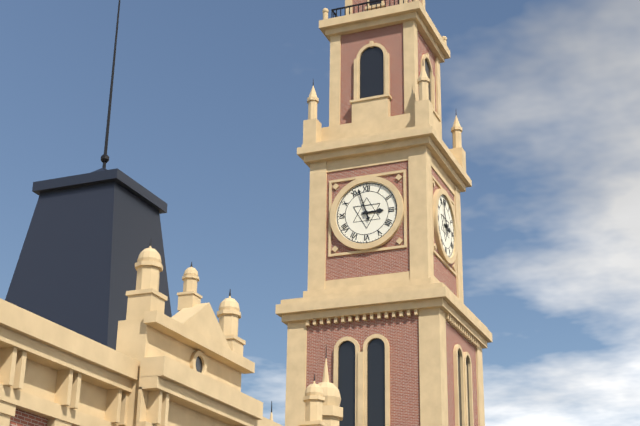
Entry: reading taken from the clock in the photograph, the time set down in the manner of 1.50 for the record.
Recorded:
2.57
